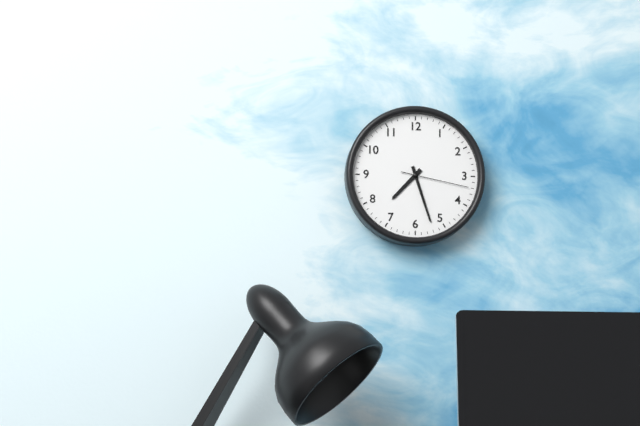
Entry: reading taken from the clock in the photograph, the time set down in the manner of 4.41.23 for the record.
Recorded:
7.27.17
